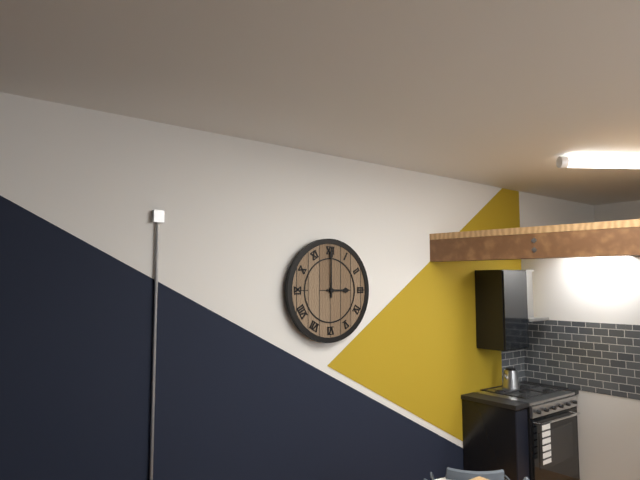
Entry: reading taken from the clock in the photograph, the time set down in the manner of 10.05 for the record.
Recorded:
3.00
